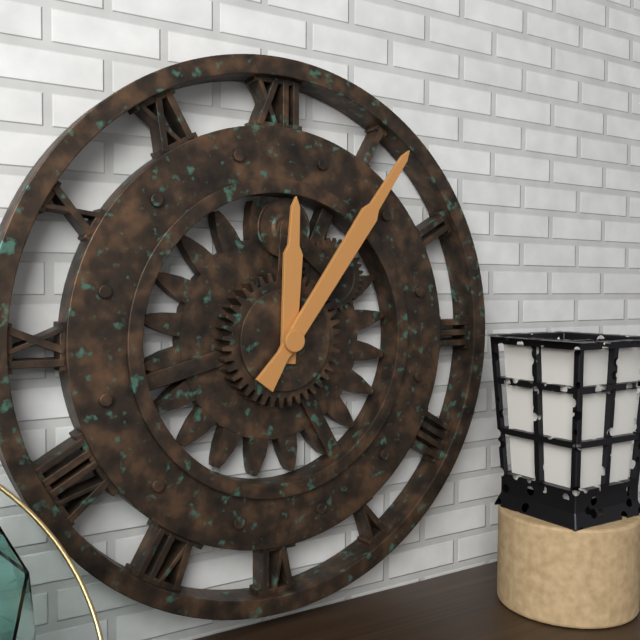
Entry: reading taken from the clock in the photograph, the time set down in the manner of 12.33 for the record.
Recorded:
12.06
